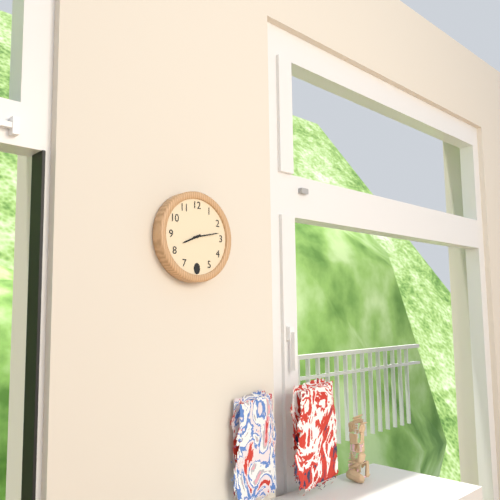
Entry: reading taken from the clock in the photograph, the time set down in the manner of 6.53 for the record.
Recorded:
8.13
